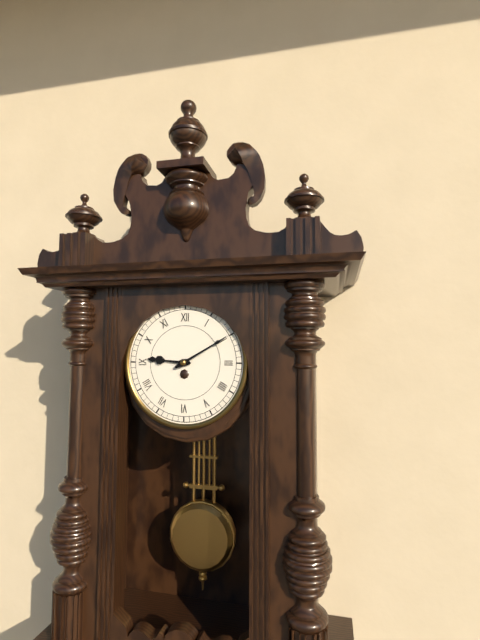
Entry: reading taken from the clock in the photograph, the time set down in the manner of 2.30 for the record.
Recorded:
9.10
